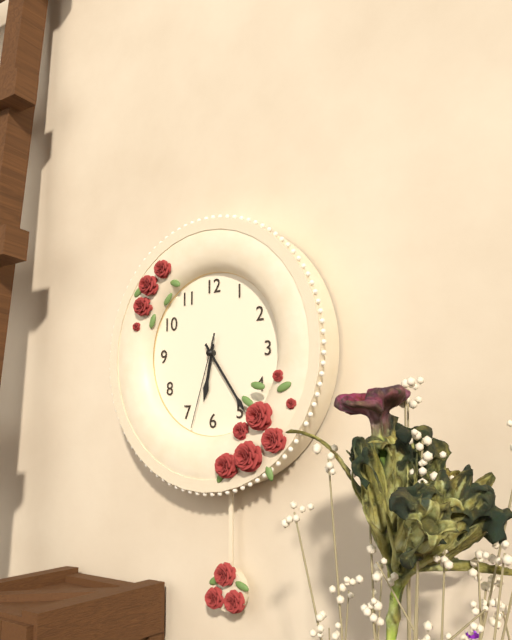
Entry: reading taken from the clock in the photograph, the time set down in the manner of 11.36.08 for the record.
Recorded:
6.24.33
